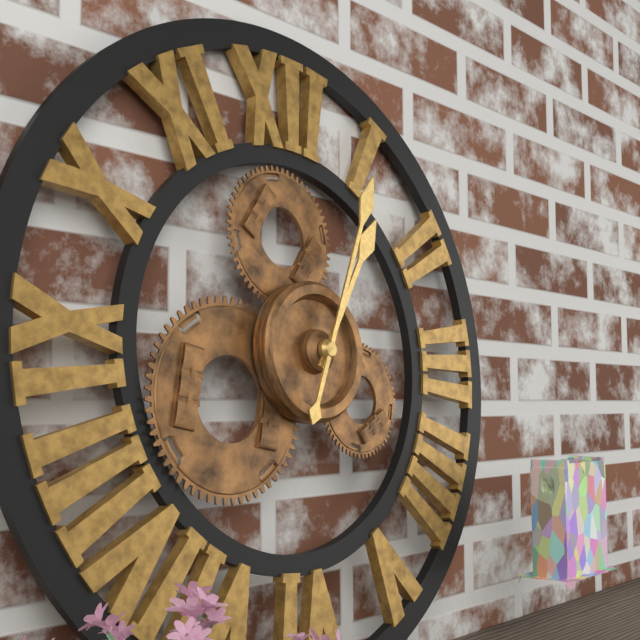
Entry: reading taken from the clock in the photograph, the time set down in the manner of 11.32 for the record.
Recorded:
1.04
